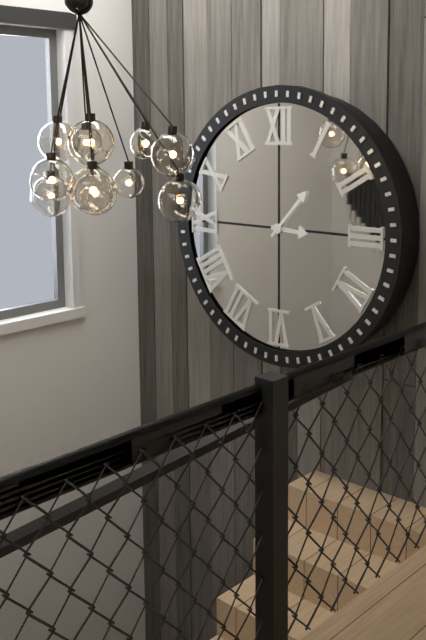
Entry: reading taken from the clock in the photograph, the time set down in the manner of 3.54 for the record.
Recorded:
3.07
